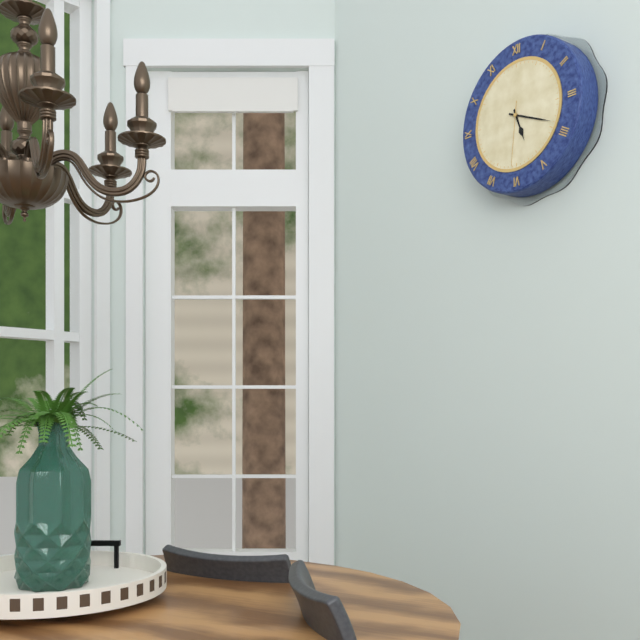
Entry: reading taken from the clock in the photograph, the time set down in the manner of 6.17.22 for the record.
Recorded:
5.19.31
